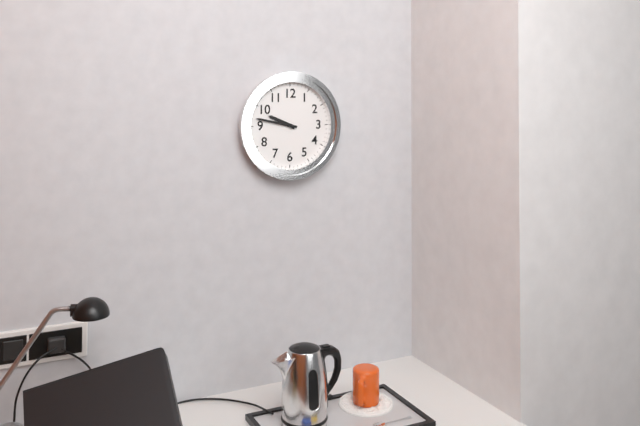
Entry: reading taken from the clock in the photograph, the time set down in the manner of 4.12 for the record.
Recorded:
9.47
